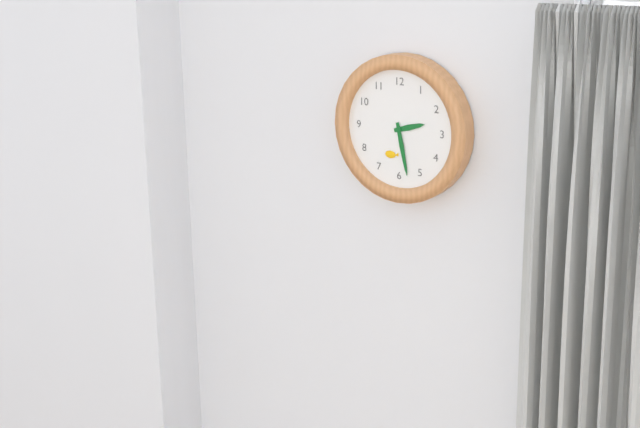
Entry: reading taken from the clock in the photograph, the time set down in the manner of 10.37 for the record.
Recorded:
2.28
